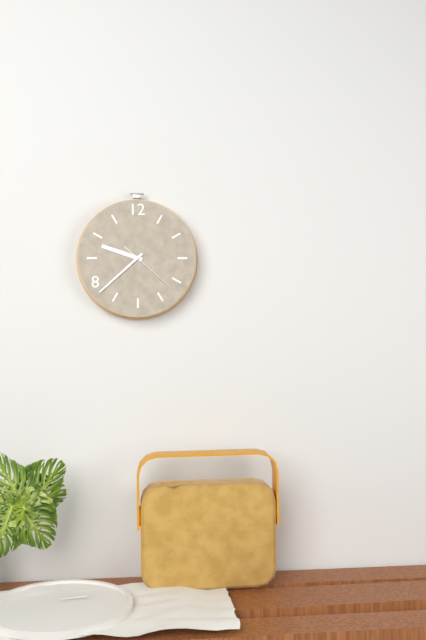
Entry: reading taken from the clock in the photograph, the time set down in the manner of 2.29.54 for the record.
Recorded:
9.38.22
